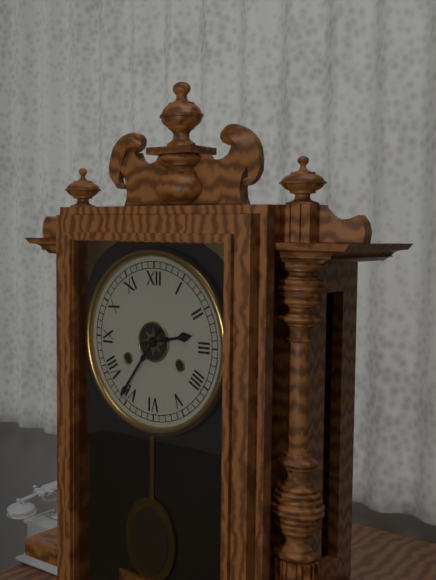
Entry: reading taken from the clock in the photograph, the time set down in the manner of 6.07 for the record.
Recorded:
2.36
